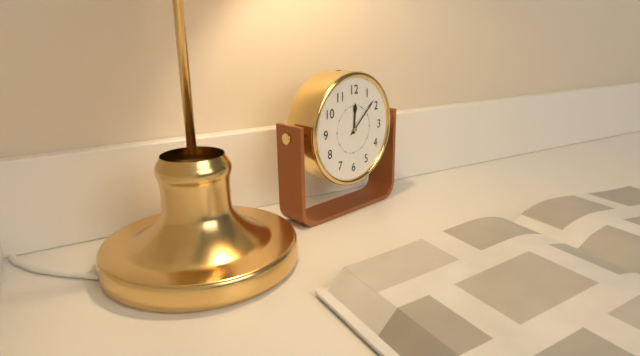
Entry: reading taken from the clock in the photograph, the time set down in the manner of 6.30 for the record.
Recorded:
12.08
